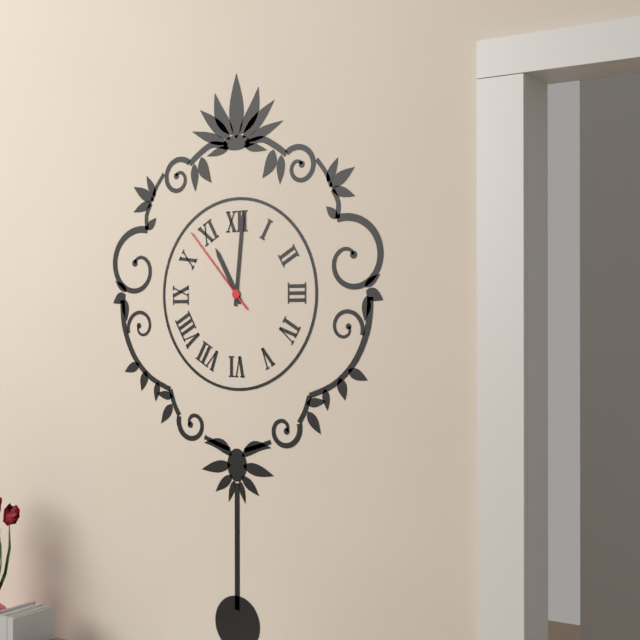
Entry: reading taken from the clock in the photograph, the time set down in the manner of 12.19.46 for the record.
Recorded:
11.01.53
